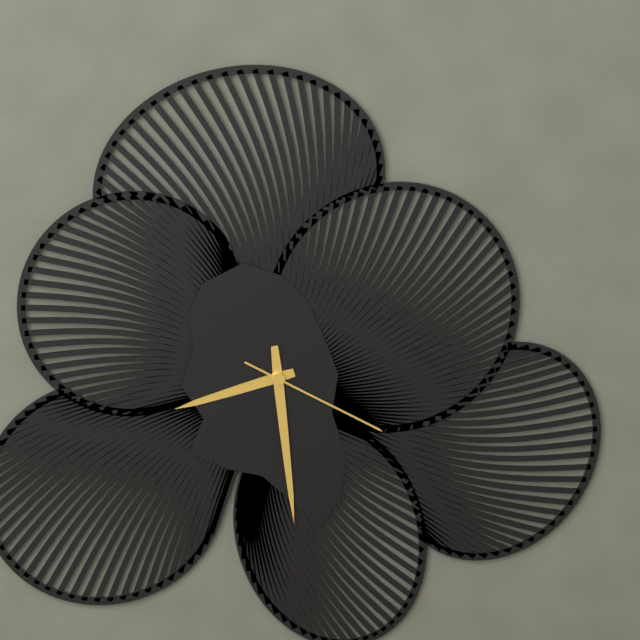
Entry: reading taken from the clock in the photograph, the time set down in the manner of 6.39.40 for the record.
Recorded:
8.29.20
